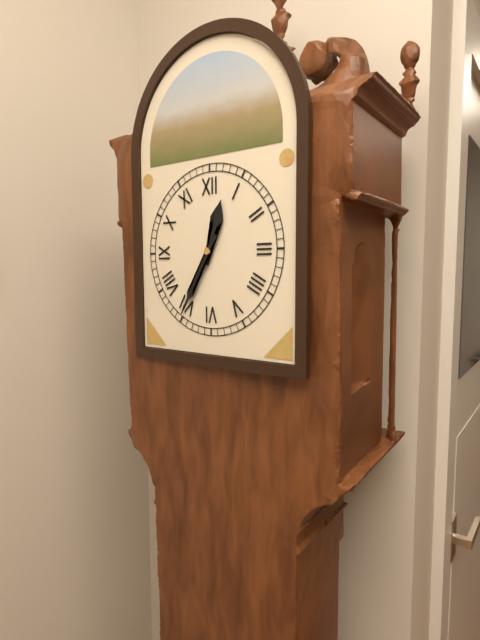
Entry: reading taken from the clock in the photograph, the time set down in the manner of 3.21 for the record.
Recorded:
12.35
